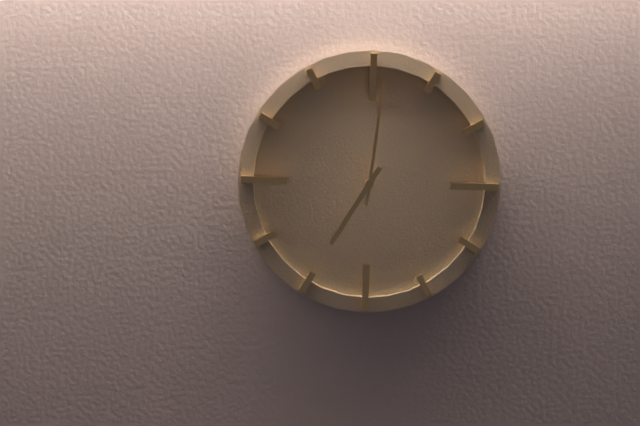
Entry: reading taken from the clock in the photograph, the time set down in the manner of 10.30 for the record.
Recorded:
7.01
